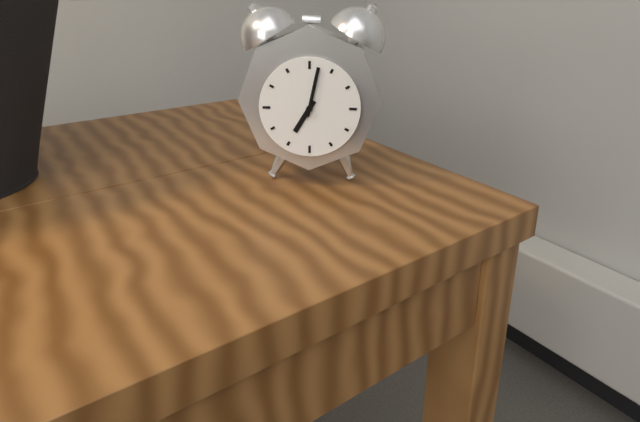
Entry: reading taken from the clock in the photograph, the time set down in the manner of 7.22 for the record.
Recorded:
7.02
